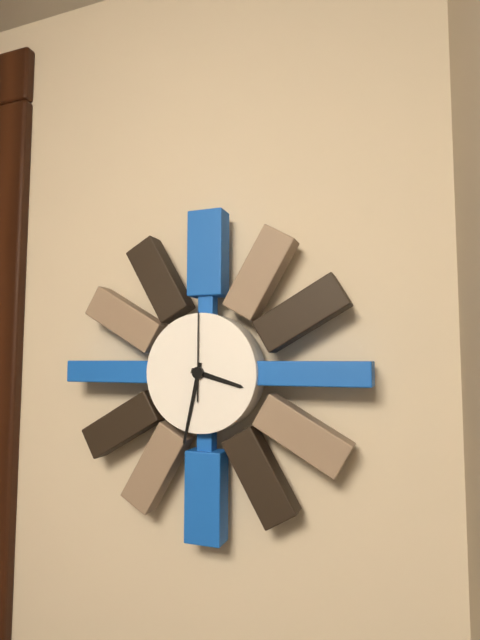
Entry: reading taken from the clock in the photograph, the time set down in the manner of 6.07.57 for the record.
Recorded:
3.32.00
